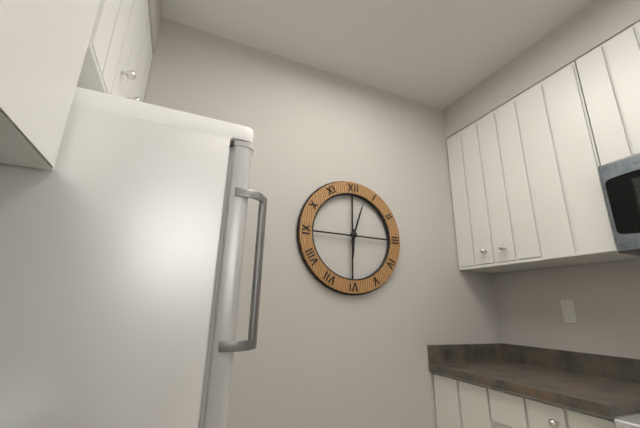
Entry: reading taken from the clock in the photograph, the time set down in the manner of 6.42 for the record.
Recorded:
6.03
